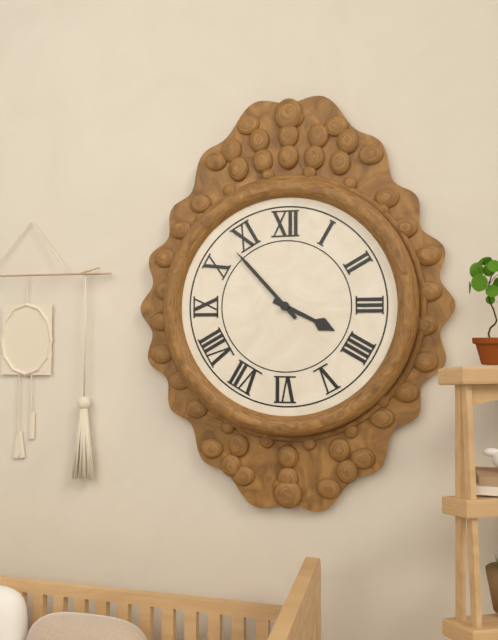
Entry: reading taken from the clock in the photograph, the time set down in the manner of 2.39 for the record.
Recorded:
3.53
